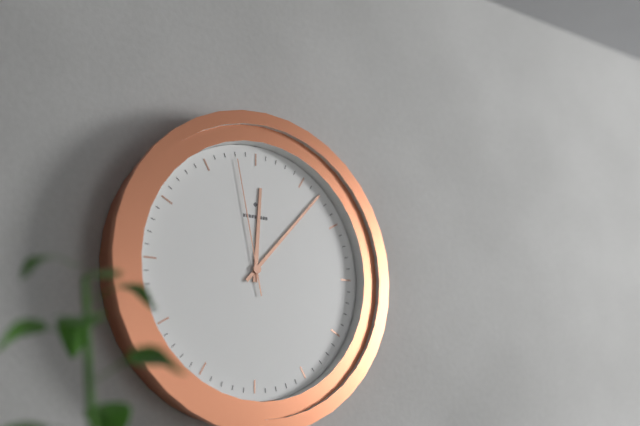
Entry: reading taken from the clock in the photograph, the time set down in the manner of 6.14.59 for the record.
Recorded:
12.07.58
